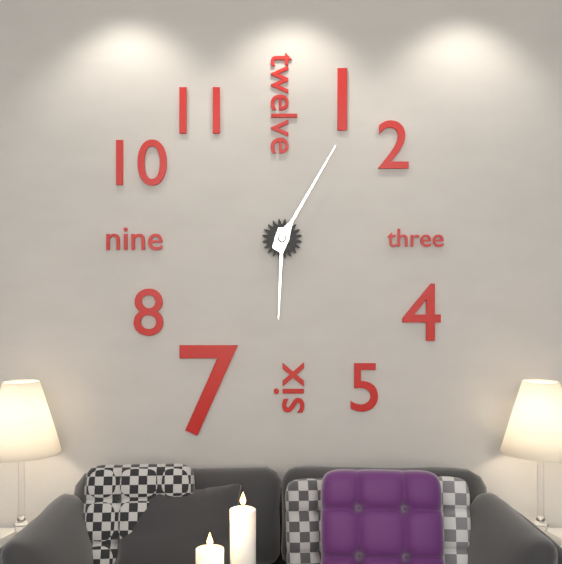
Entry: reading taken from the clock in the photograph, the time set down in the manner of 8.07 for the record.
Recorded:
6.05
